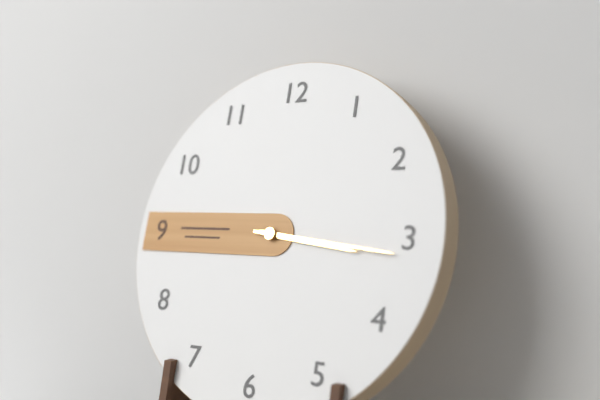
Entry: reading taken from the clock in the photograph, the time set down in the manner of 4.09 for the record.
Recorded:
3.16
